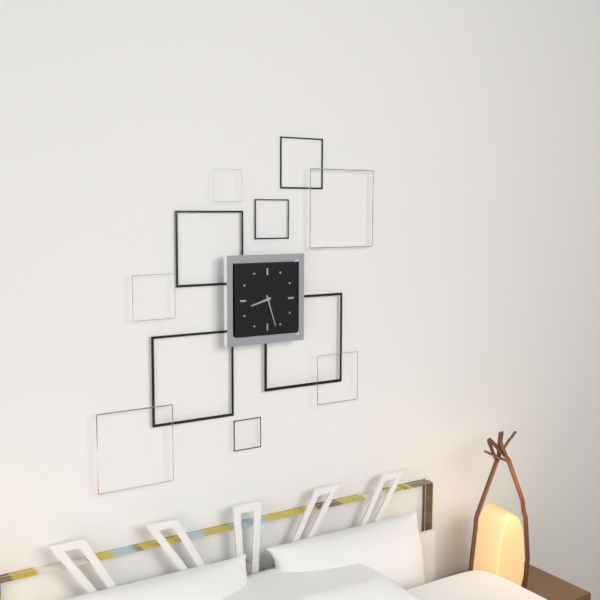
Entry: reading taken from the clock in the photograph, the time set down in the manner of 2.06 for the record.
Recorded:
8.27
